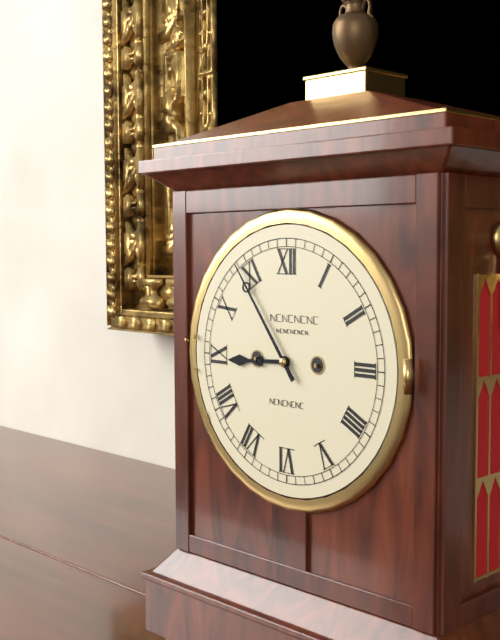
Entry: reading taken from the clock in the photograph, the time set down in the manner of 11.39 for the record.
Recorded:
8.54
